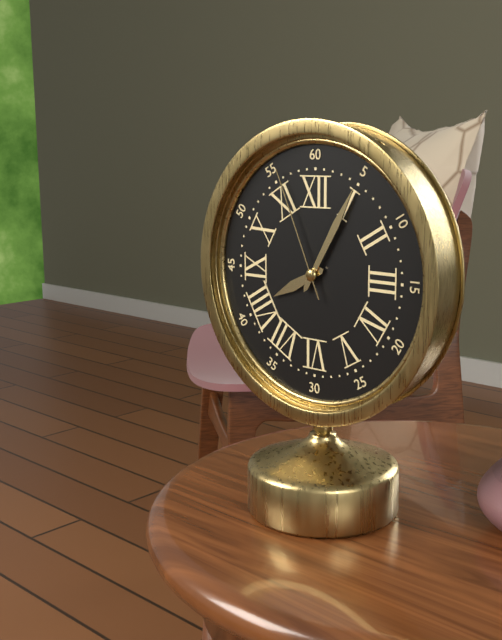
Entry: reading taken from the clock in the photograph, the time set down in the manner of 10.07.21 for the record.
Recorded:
8.05.56
